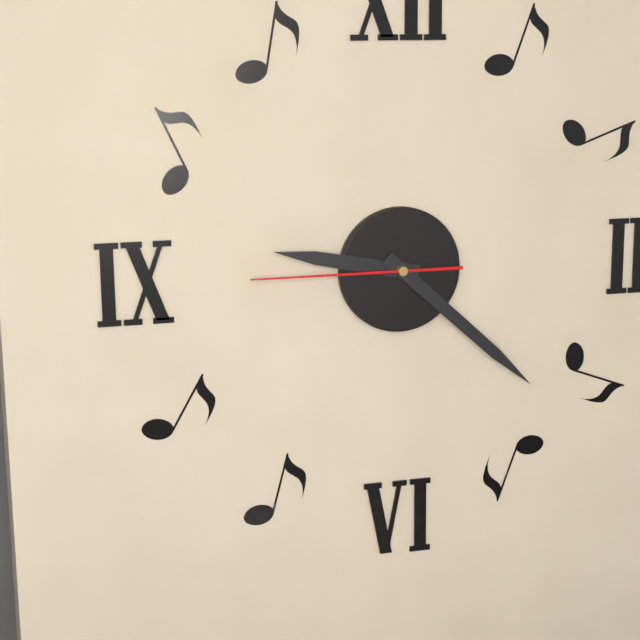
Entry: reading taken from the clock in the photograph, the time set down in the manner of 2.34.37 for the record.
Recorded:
9.22.45
